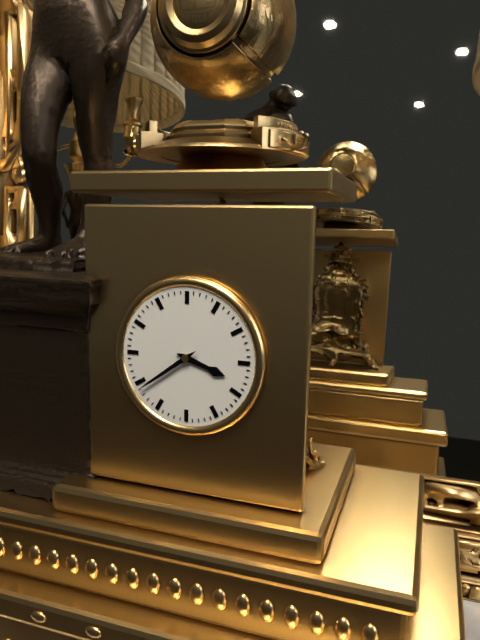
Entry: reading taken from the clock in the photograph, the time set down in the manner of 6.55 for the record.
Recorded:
3.39
